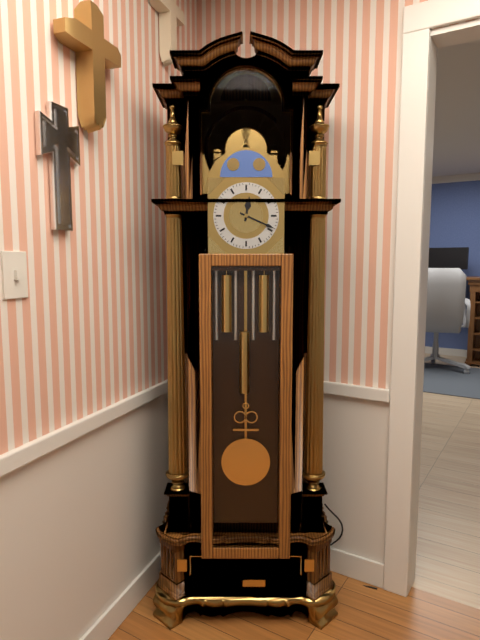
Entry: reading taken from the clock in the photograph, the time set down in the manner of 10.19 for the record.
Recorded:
12.19
